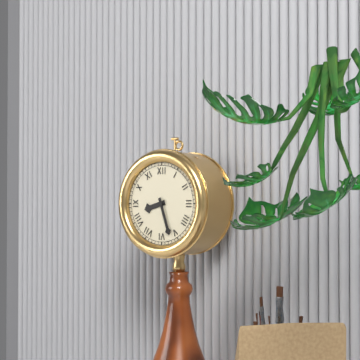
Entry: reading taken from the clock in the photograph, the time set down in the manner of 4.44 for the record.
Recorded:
8.27
